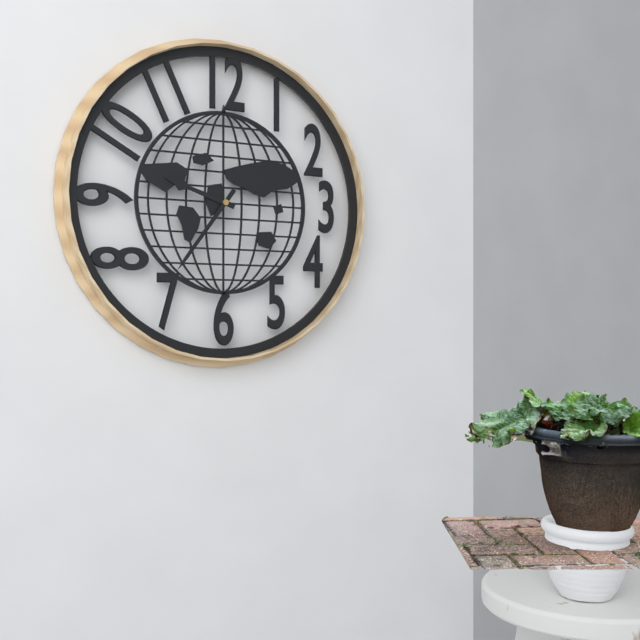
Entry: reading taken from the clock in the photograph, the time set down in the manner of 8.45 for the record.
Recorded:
9.36
